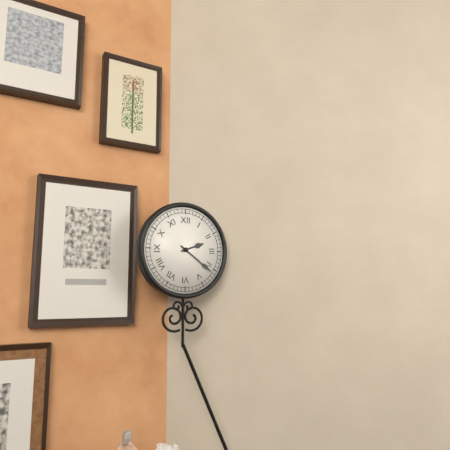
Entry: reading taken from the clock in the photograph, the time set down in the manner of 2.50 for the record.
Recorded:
2.21
